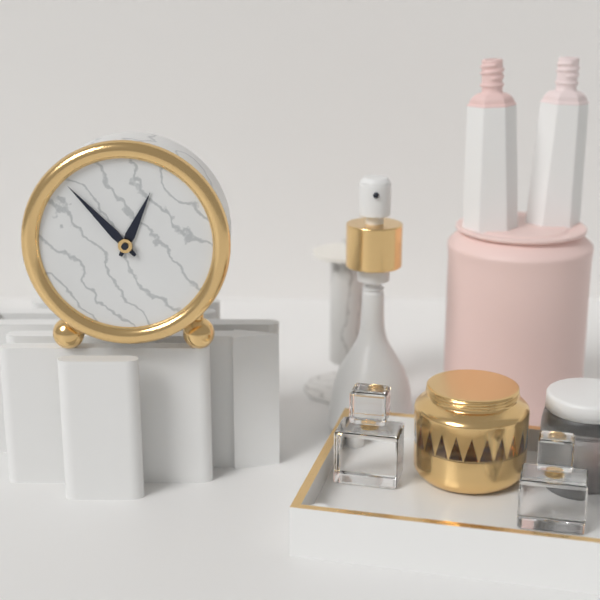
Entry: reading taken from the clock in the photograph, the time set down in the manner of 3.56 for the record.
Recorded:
12.53
